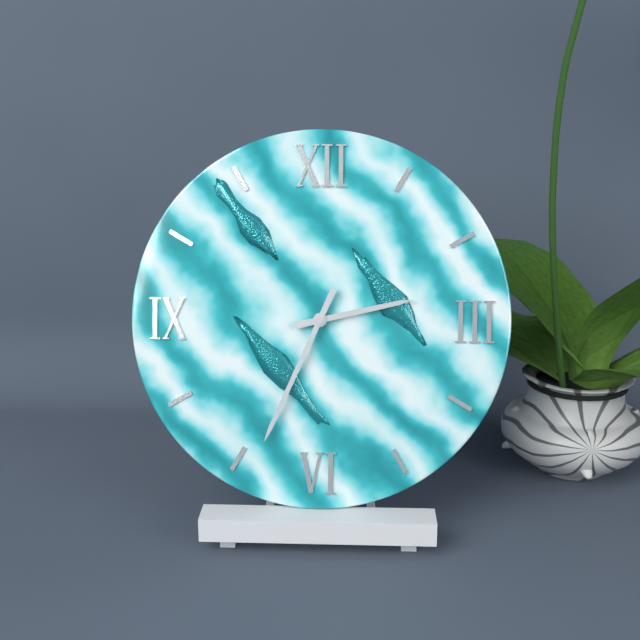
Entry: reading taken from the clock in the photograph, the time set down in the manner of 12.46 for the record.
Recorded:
2.34
